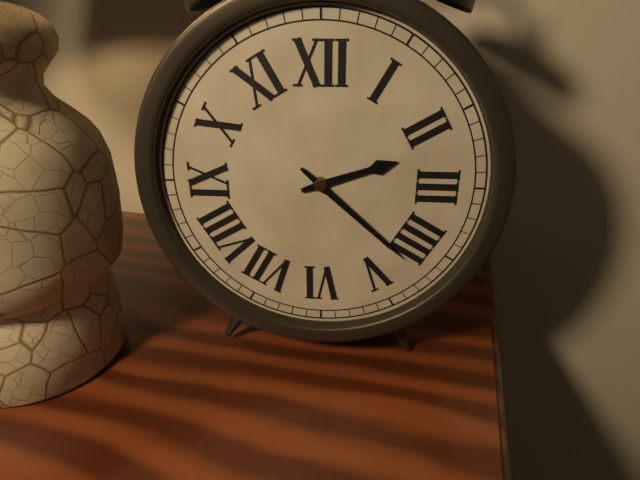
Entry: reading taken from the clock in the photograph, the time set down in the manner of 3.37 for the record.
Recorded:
2.22
